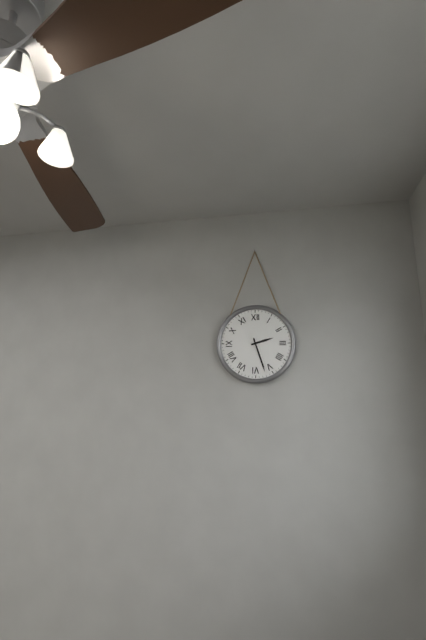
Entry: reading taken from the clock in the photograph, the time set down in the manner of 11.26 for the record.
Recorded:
2.27
